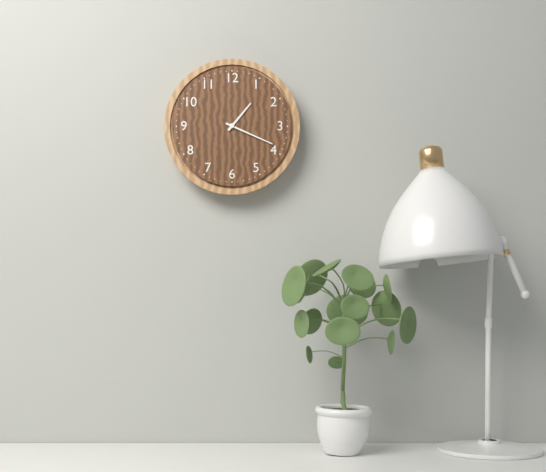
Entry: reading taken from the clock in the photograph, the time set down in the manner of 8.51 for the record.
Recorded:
1.19
